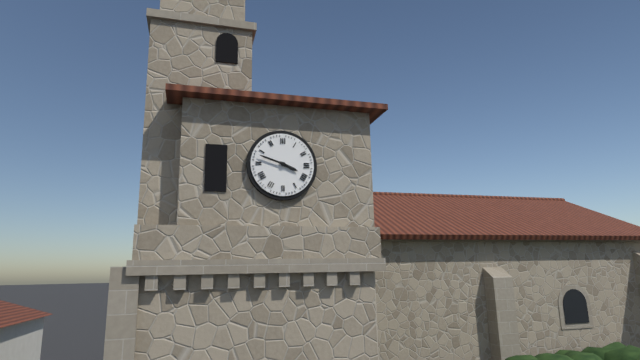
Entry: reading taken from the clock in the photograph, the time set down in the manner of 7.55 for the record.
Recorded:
3.48
